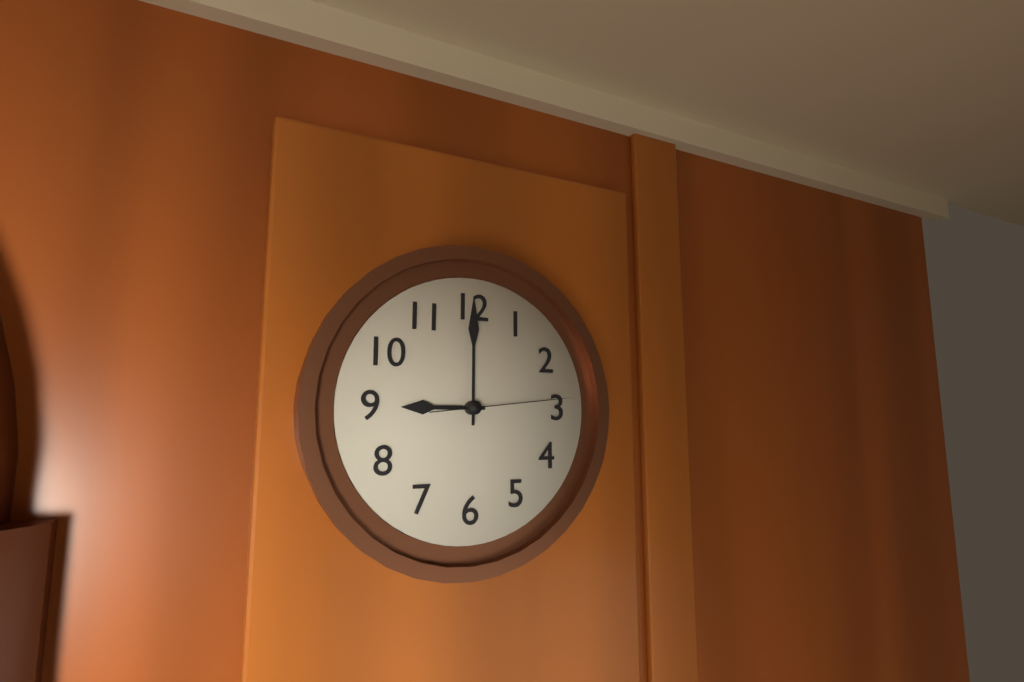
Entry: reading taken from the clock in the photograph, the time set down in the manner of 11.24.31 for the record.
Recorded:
9.00.14
